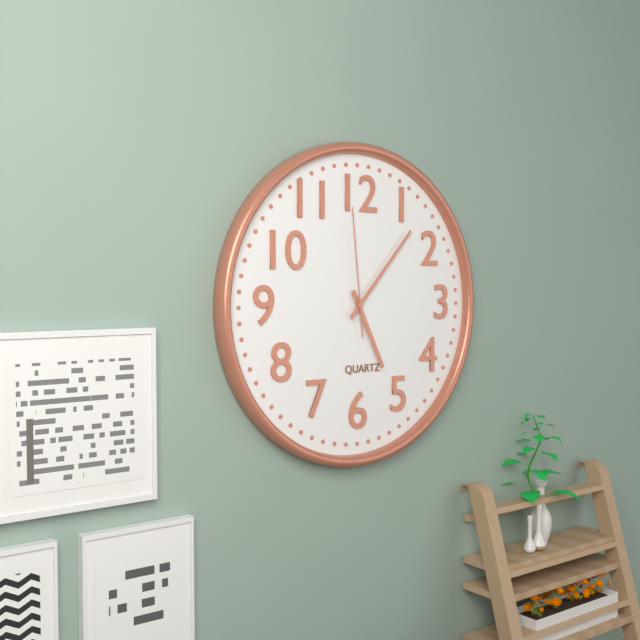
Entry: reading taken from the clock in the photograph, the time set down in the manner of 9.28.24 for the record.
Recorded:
5.07.59
